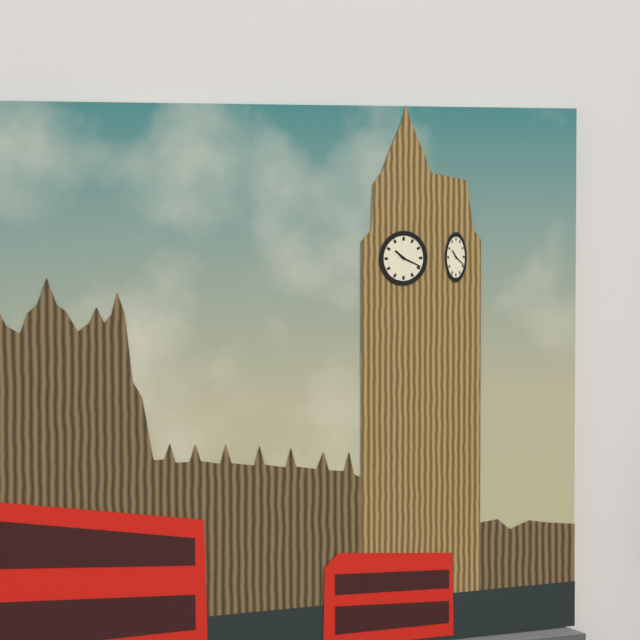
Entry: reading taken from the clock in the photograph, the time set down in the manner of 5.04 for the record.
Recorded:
10.19
